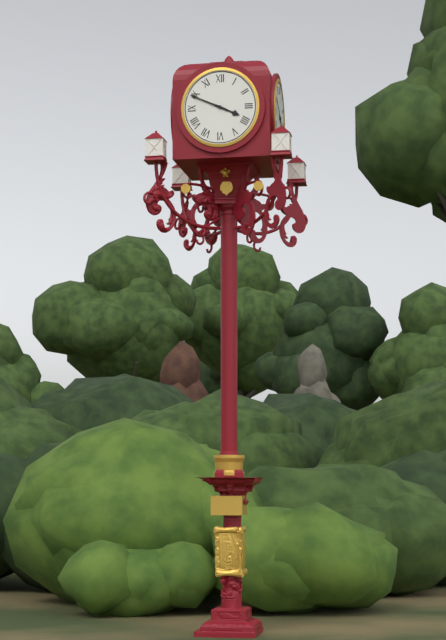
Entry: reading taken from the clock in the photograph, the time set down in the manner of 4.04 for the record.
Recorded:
3.49
